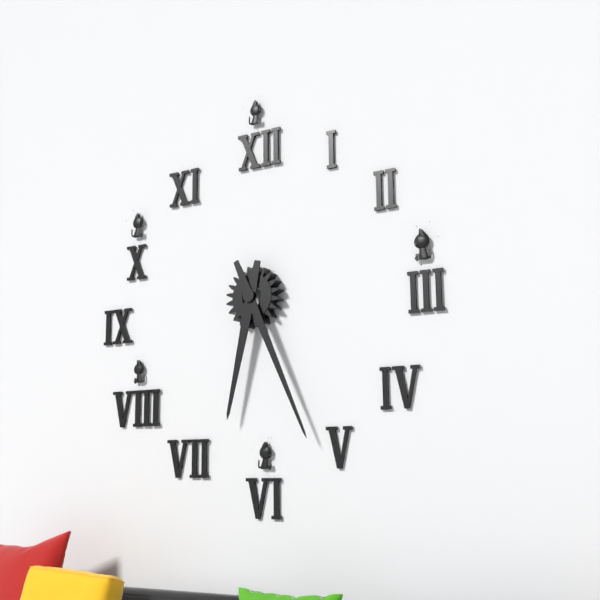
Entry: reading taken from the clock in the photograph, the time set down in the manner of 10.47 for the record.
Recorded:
6.26
